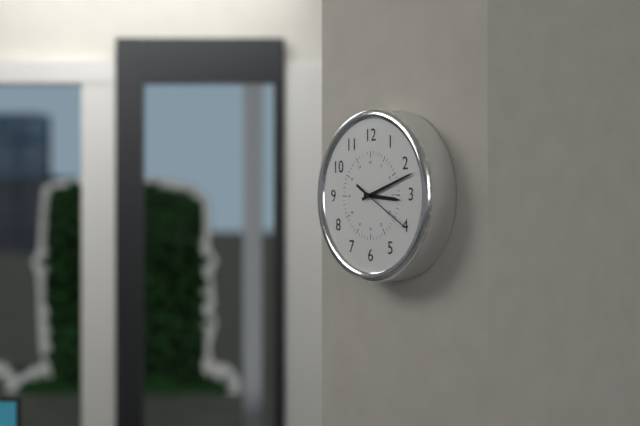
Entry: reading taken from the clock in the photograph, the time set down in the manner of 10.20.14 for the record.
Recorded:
3.12.20
